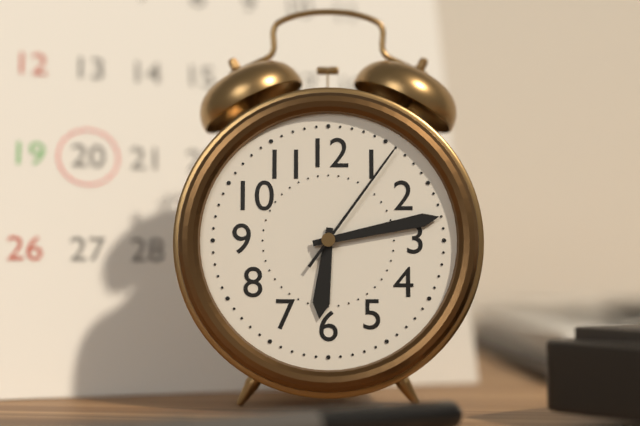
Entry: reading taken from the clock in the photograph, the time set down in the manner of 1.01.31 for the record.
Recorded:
6.13.06
